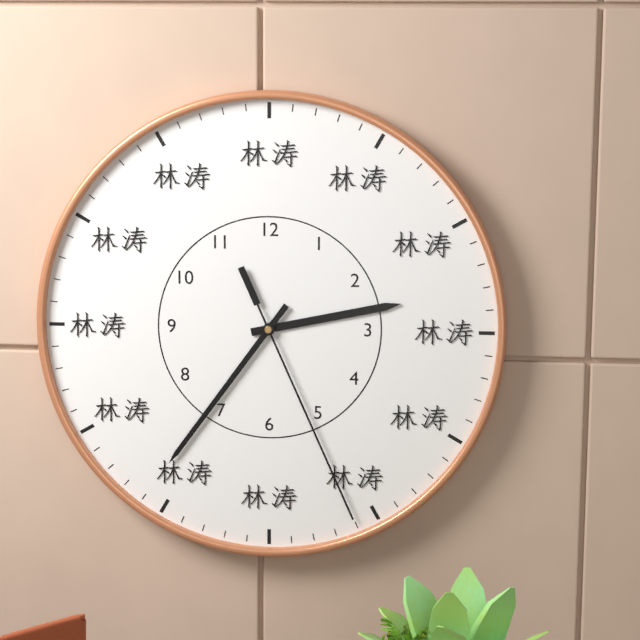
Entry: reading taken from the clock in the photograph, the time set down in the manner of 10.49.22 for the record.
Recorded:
2.36.26
